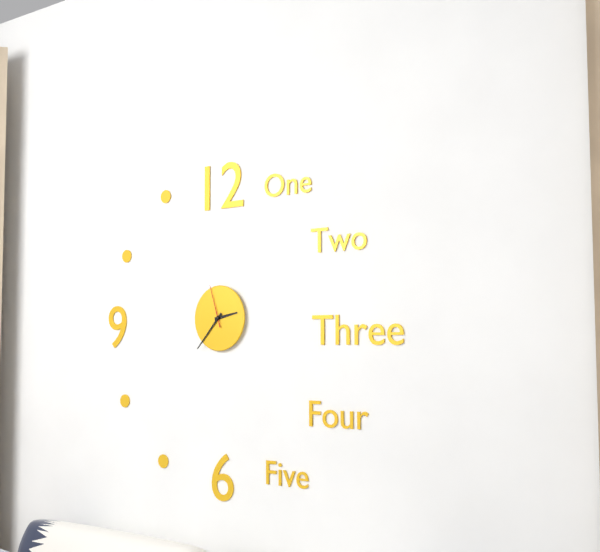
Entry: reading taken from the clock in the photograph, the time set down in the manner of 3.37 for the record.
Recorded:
2.37
